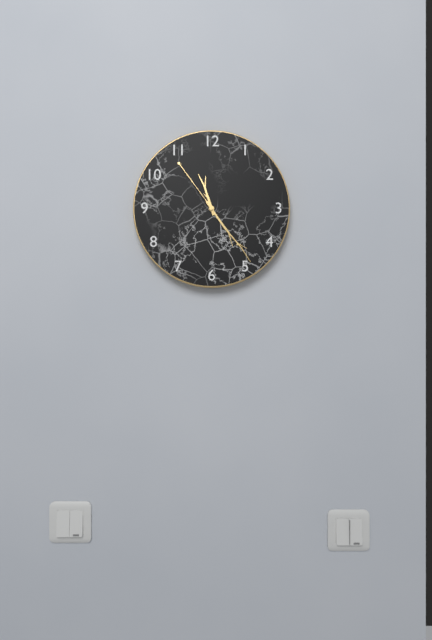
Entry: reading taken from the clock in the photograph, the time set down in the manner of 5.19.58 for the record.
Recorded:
11.24.54
